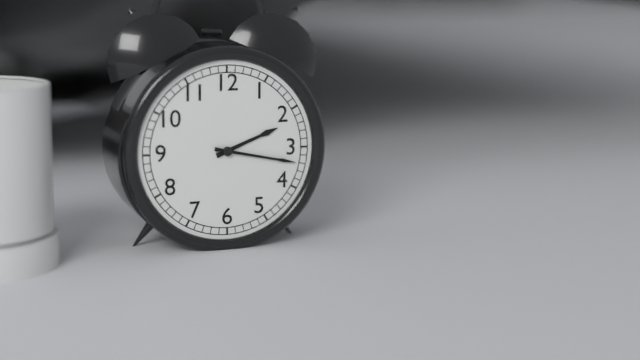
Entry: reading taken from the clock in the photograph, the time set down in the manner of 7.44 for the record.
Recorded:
2.17
